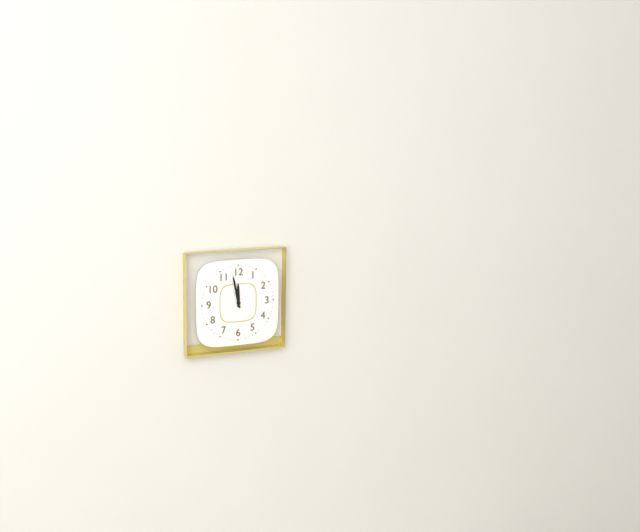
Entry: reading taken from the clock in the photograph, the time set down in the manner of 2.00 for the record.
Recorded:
11.58
